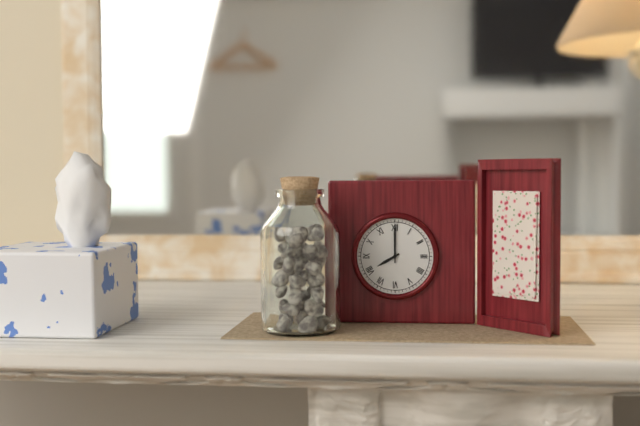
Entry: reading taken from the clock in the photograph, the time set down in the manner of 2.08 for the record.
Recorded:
8.00
